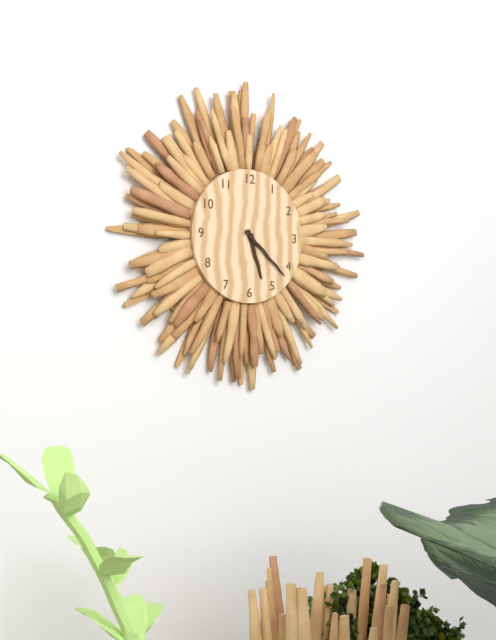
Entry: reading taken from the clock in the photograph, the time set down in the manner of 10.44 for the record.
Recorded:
5.22
